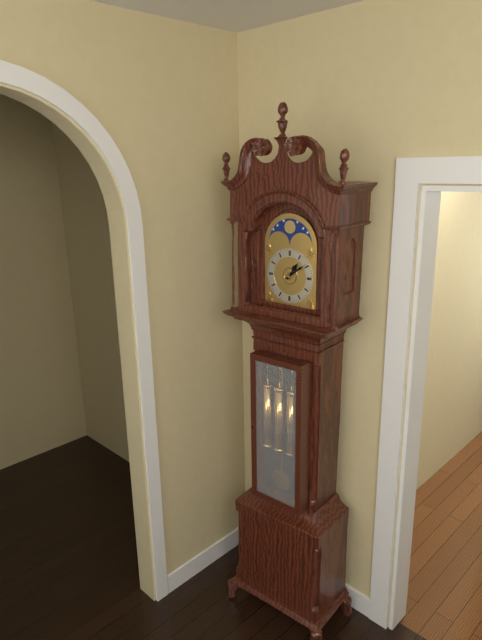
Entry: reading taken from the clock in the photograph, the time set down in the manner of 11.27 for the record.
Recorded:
1.09
